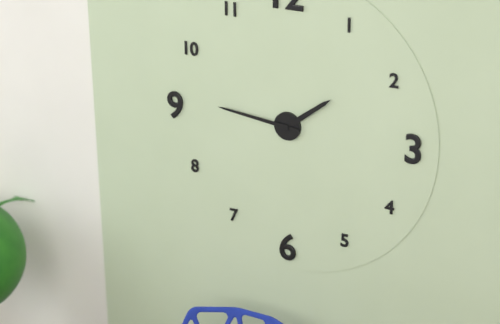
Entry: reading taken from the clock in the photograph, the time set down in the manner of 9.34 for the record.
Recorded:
1.46
